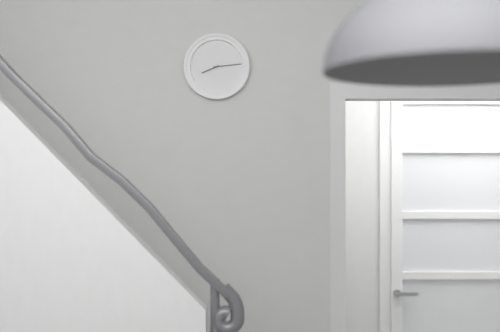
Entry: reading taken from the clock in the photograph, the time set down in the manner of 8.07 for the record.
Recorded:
8.14
